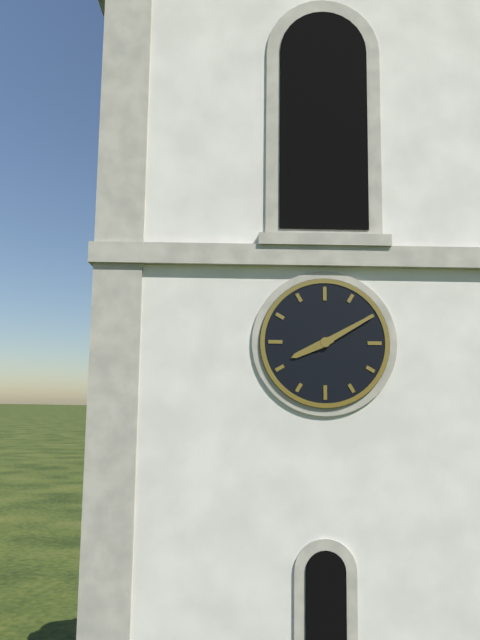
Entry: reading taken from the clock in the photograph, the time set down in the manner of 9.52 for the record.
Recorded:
8.10
